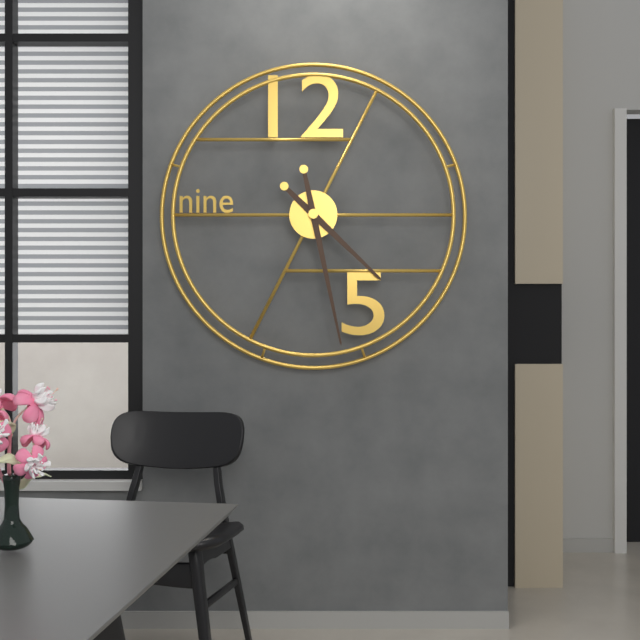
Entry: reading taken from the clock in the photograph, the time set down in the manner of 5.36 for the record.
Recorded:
4.28
